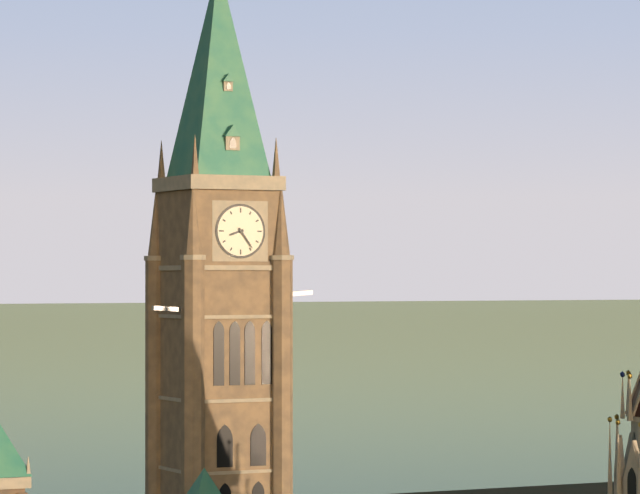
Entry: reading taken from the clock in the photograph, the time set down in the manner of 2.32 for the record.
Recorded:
8.24
